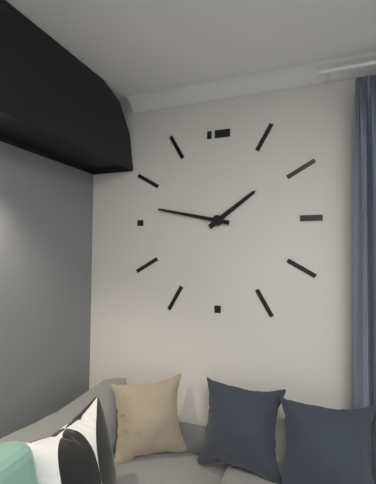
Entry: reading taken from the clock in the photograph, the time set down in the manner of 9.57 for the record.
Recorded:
1.47
